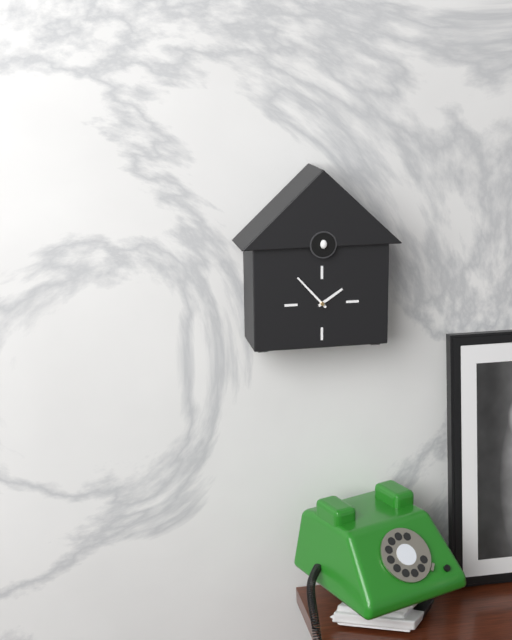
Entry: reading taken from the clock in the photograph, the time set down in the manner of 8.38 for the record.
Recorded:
1.53
